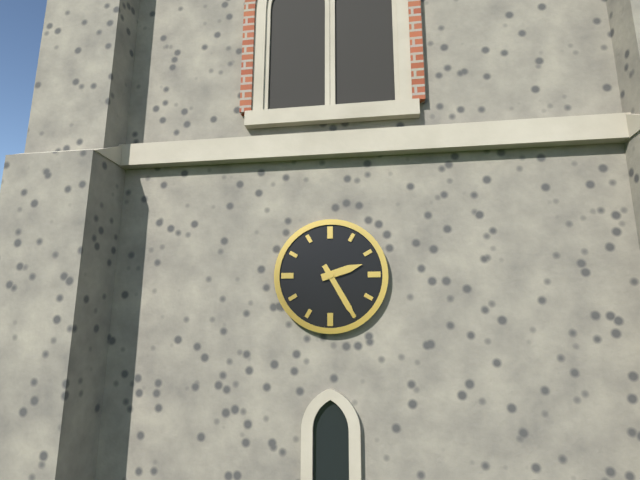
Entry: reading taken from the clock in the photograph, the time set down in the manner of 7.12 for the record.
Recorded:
2.25
